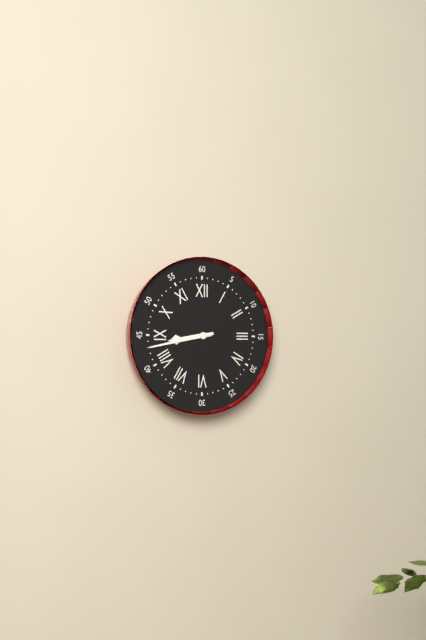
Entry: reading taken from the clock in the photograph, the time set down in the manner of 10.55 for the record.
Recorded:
8.43
